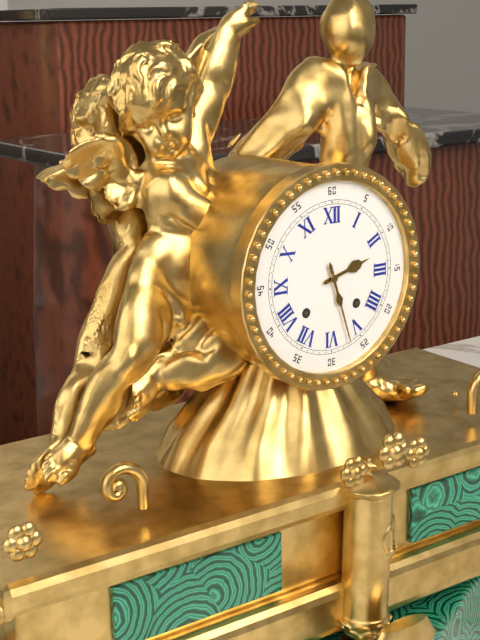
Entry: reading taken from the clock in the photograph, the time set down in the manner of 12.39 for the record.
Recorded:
2.27
